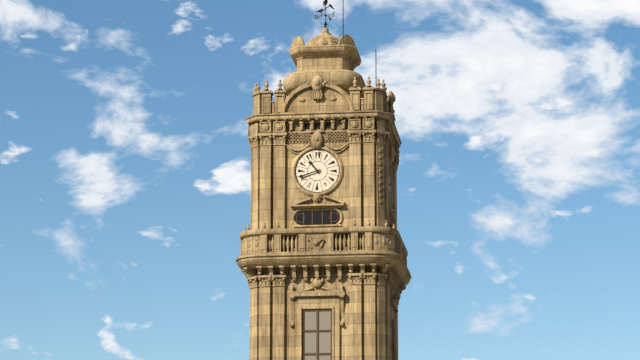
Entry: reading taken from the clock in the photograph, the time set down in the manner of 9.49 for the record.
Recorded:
10.42
